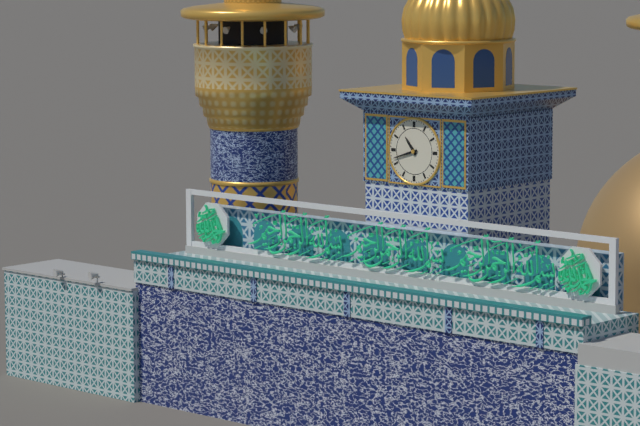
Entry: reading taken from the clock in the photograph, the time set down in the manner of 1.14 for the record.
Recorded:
10.42
